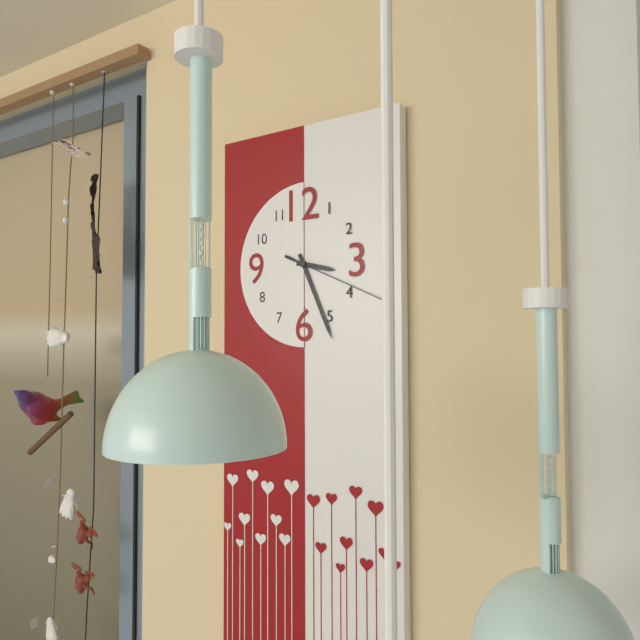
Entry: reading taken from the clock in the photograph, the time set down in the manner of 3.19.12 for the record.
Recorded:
3.26.19
